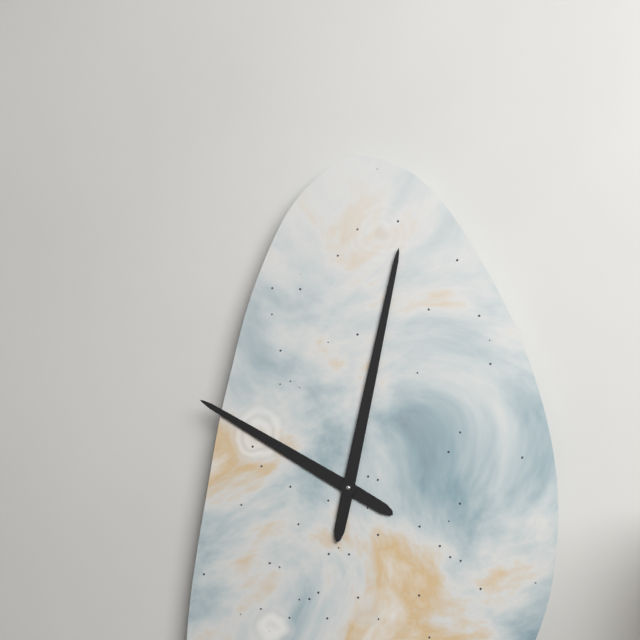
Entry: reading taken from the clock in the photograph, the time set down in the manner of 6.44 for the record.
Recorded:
10.02
